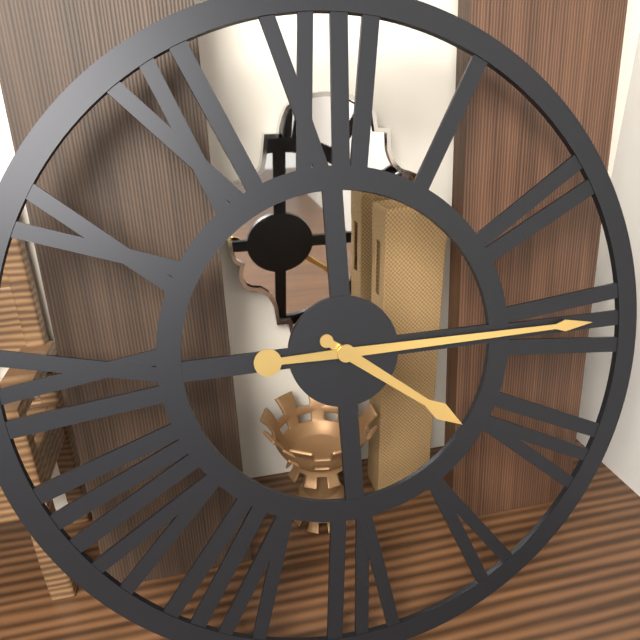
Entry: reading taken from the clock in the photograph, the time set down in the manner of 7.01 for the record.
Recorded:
4.15
